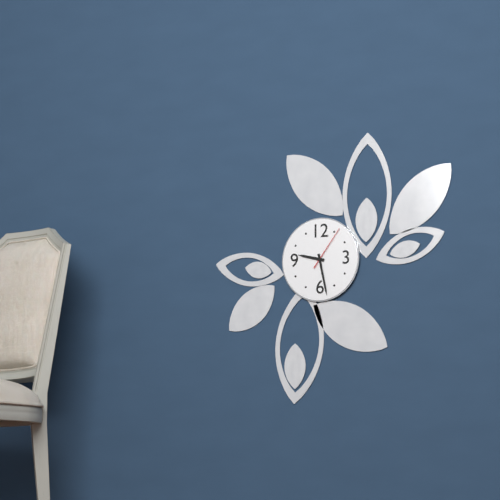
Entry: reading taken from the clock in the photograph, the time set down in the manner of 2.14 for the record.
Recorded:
9.28
